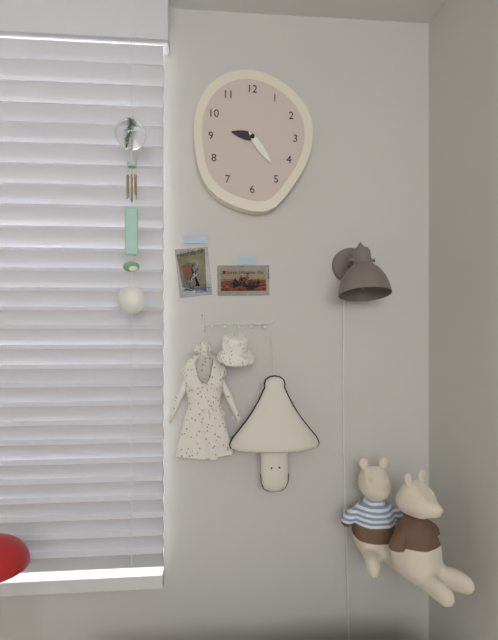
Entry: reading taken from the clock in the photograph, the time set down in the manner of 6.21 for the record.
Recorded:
9.24
